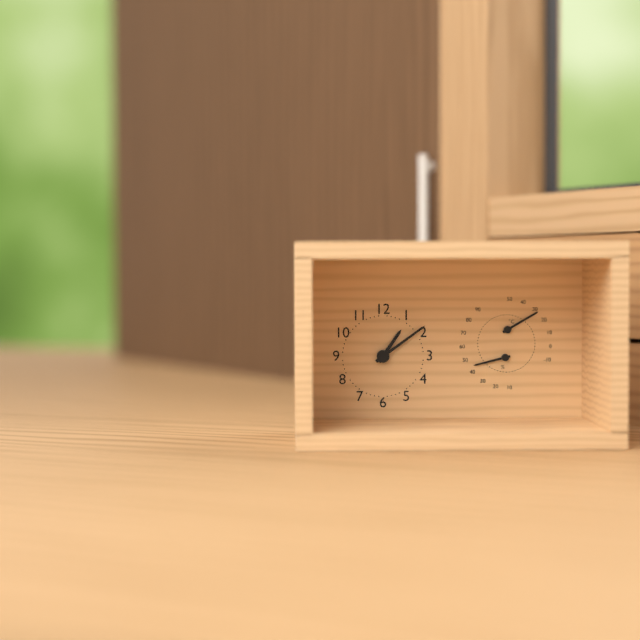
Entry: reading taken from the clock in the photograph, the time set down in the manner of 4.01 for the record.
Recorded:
1.09
